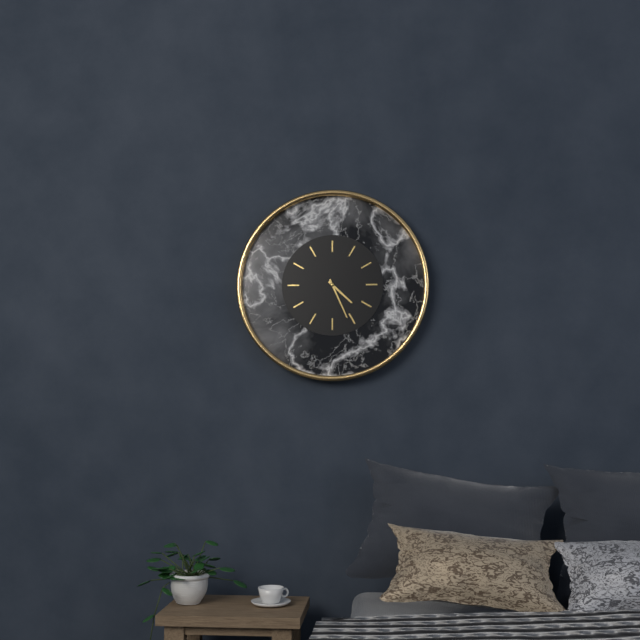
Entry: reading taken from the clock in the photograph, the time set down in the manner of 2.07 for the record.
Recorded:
4.26
